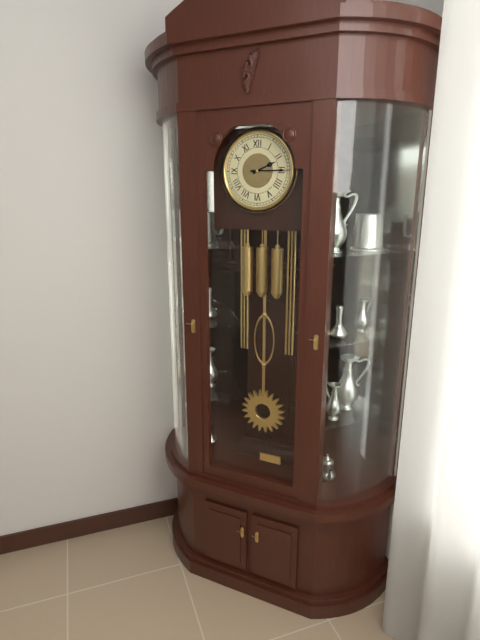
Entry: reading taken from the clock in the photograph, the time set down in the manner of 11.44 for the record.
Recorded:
2.15
